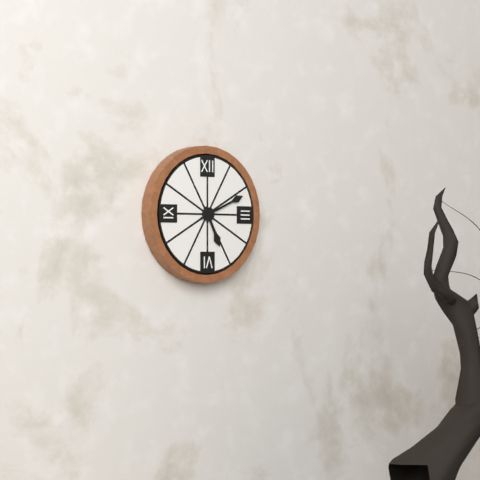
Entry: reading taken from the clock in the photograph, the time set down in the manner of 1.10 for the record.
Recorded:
5.11
